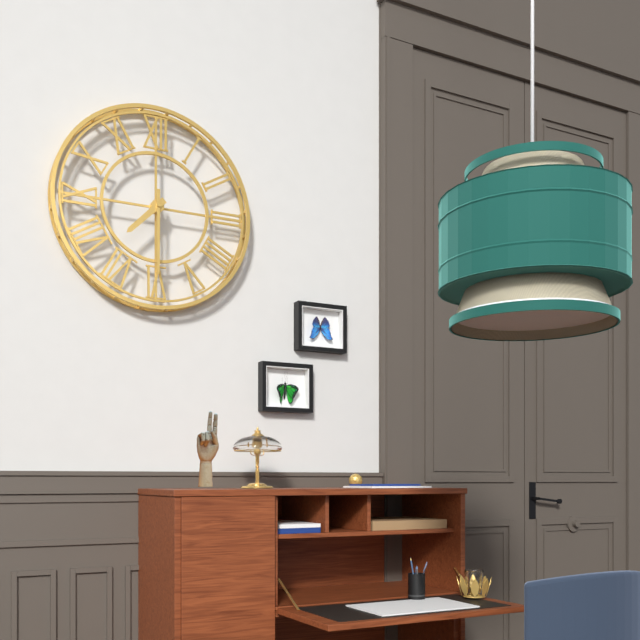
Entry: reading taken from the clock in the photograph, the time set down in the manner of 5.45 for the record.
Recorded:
7.30
